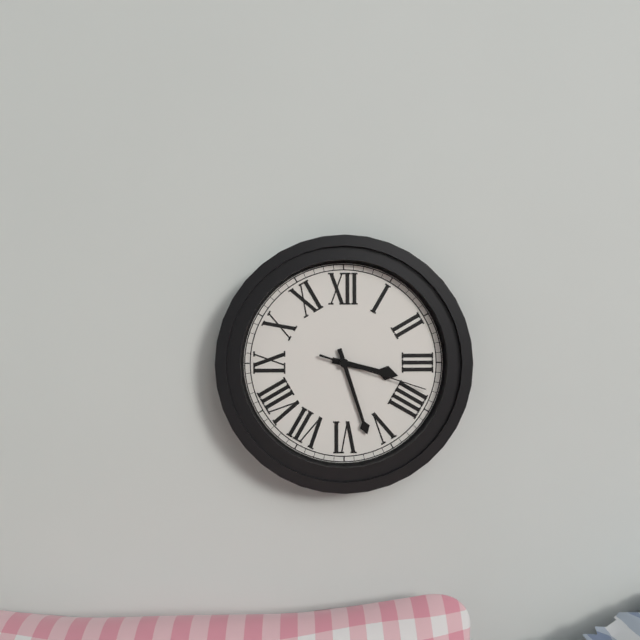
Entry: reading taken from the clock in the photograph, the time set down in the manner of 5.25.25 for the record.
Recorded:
3.27.18
